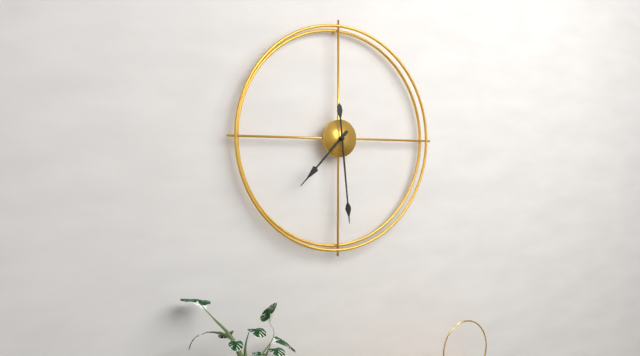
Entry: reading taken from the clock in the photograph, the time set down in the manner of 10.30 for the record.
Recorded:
7.29
